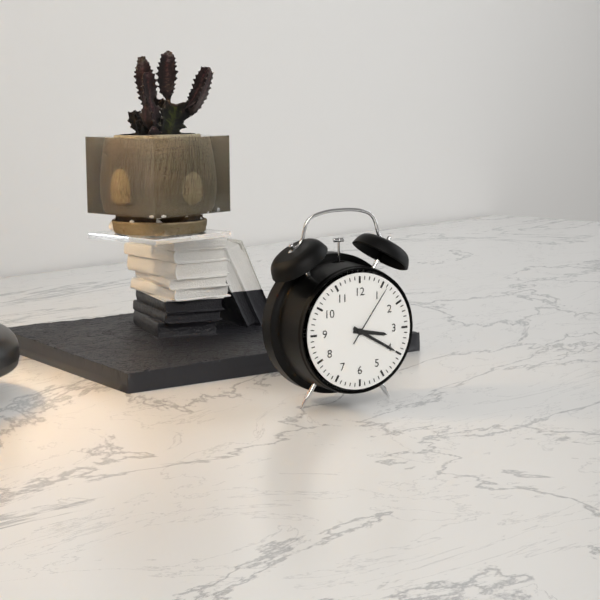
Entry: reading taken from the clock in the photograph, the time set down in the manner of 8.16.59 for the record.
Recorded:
3.20.06
